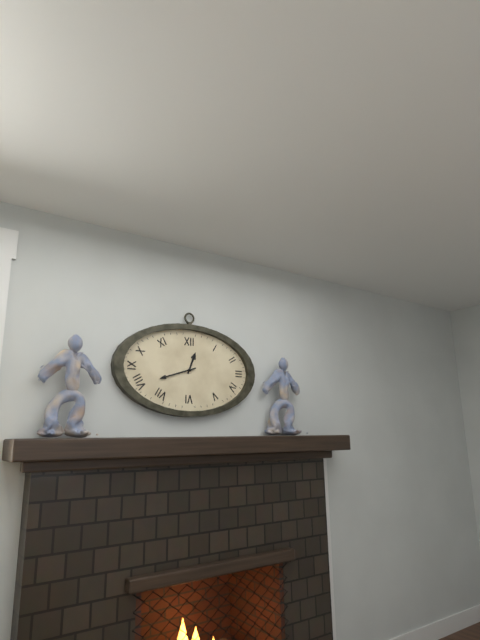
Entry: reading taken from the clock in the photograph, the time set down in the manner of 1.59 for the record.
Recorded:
12.42
